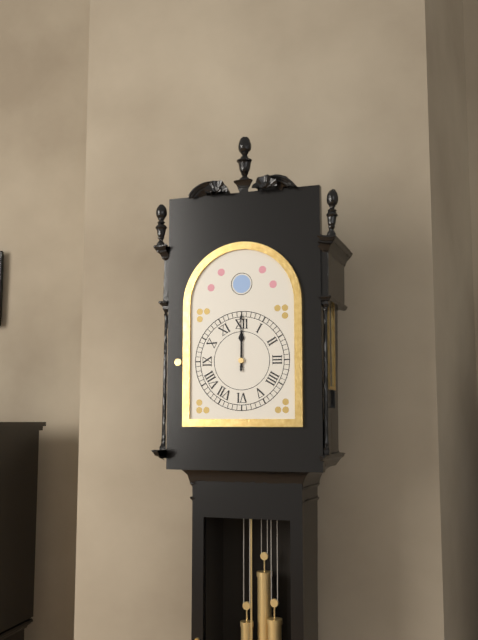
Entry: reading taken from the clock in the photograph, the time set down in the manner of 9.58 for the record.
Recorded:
12.00
